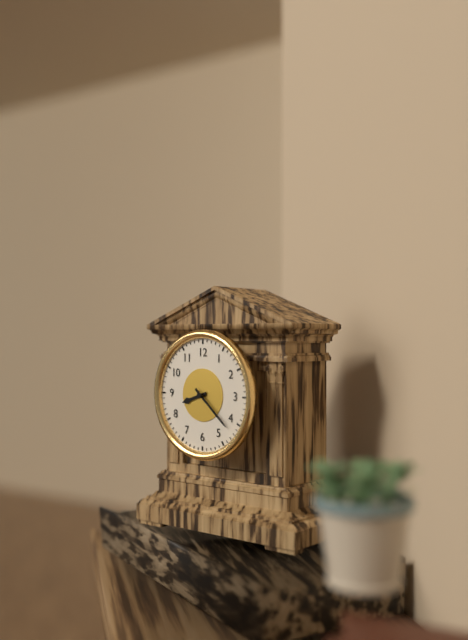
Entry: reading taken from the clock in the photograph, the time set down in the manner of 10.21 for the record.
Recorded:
8.22
